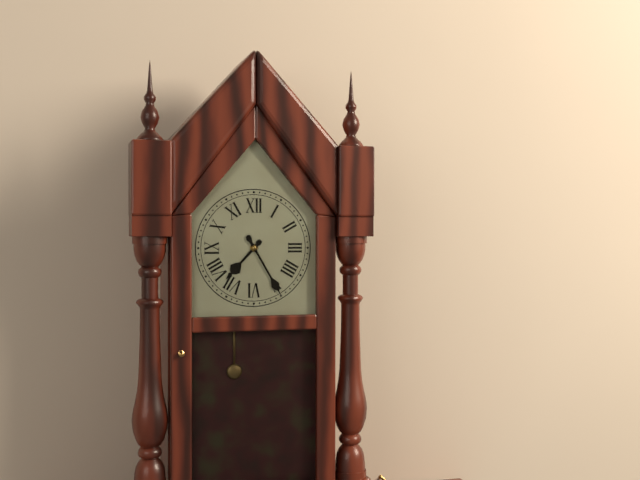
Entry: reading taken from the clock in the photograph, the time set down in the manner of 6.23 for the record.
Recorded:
7.25
